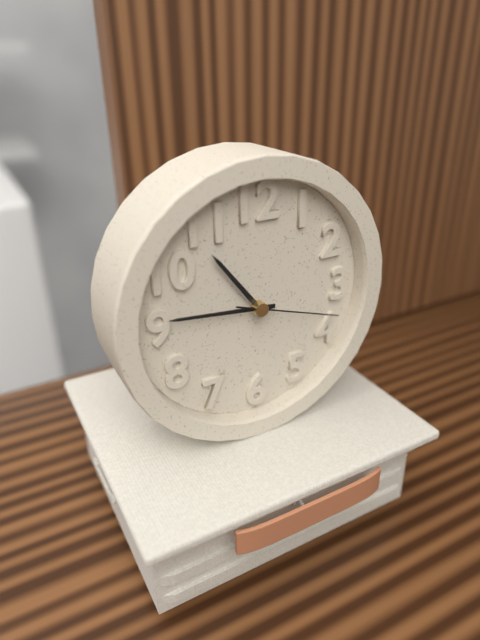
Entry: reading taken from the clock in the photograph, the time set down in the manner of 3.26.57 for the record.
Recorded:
10.46.18
